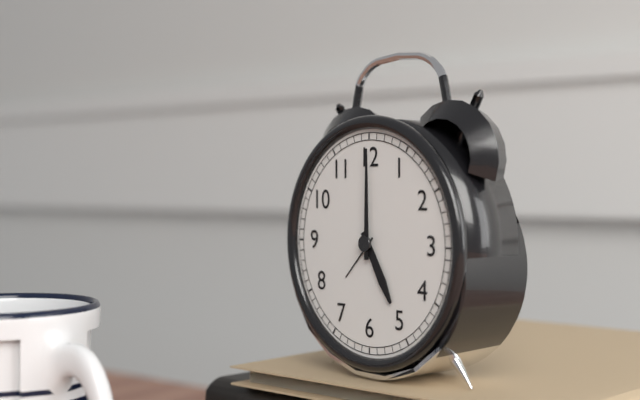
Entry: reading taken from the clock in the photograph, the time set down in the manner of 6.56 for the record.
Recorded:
5.00
